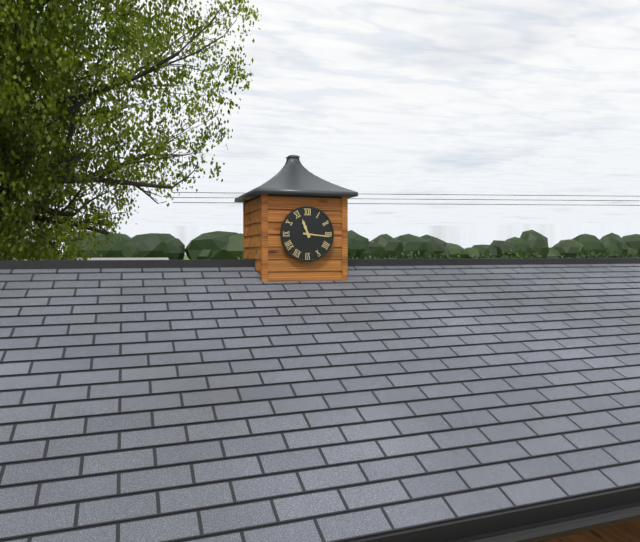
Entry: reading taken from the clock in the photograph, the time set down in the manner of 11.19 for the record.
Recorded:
11.16
